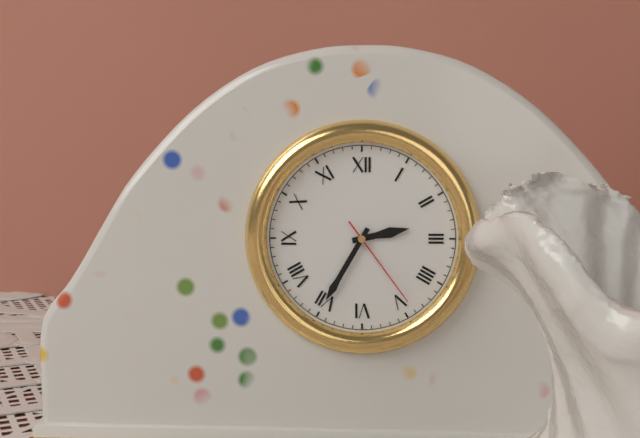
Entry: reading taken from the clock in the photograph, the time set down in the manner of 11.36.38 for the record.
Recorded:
2.35.24
